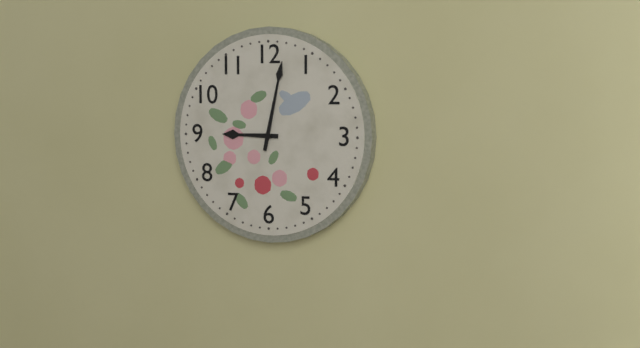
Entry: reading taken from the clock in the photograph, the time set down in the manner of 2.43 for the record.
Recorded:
9.02
